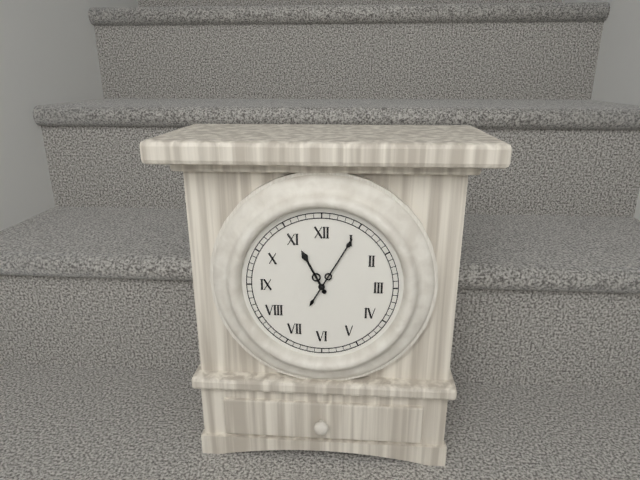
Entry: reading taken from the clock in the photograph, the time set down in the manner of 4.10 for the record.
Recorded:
11.05
